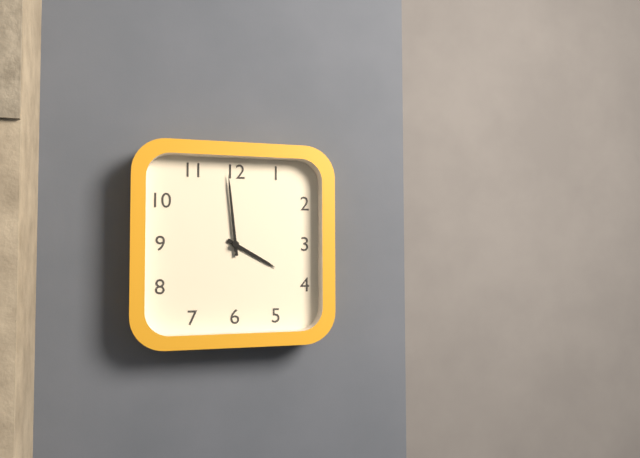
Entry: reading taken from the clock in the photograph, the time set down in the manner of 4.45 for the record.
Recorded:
3.59
